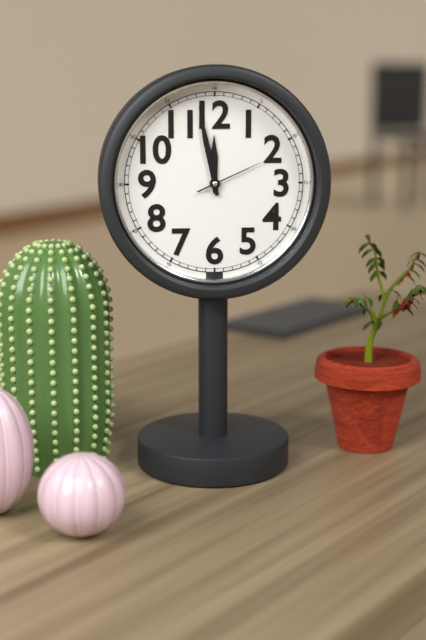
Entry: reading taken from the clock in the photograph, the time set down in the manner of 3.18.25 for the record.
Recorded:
11.58.11
